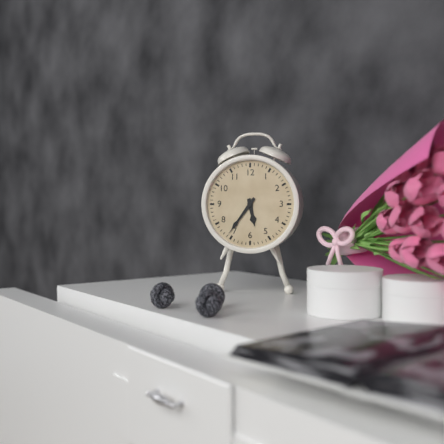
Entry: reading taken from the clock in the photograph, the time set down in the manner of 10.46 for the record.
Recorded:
5.36
